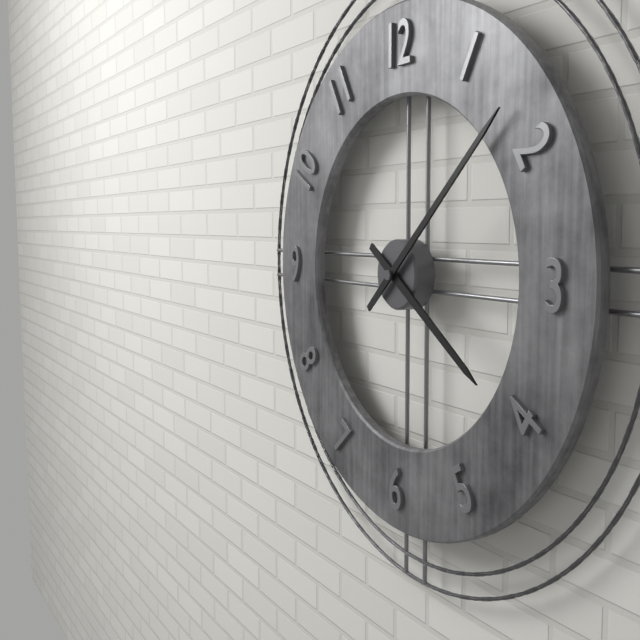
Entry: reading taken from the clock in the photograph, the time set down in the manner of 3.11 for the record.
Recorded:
4.08
